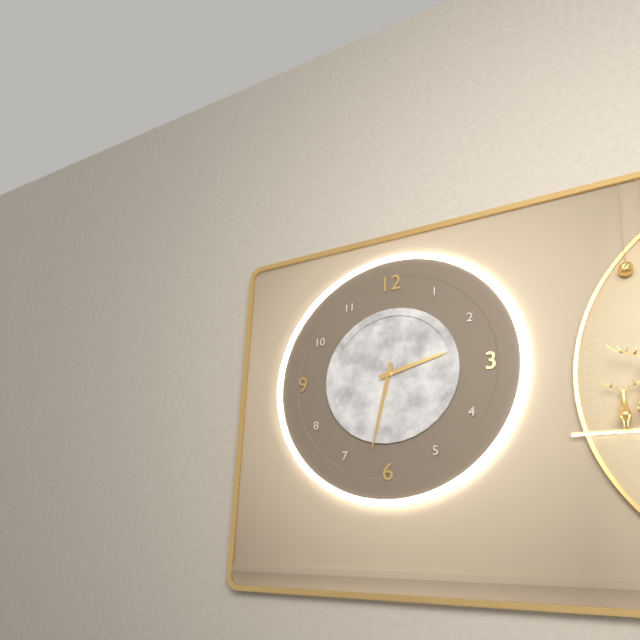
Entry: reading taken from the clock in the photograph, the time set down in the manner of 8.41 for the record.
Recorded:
2.32
